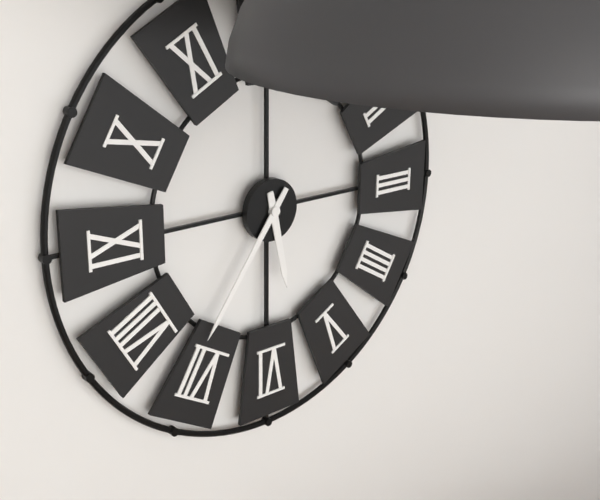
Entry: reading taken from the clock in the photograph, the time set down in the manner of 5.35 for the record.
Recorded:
5.36
